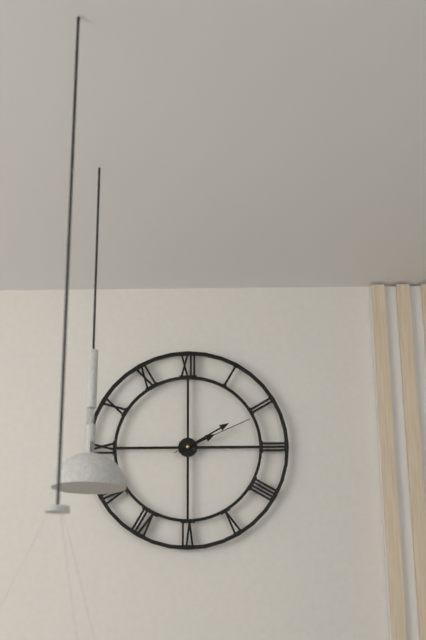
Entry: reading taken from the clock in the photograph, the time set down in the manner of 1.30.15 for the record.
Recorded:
2.10.11
